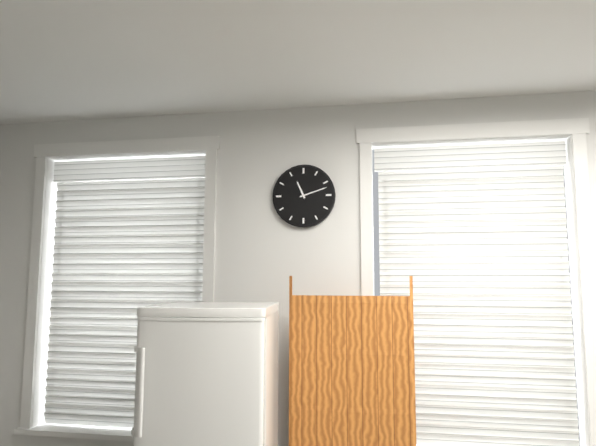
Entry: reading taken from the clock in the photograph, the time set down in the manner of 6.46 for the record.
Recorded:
11.12
